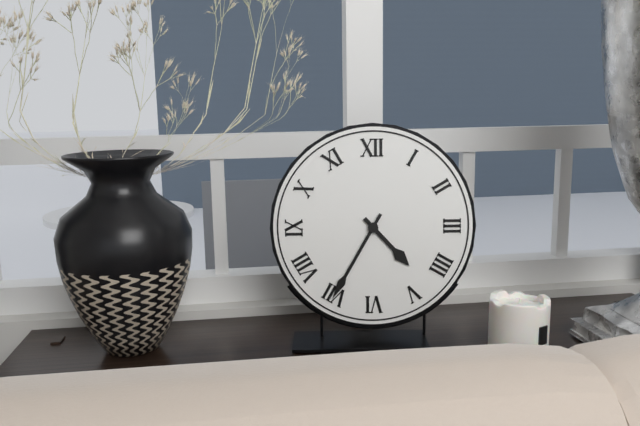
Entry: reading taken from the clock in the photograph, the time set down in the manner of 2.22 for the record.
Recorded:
4.35
